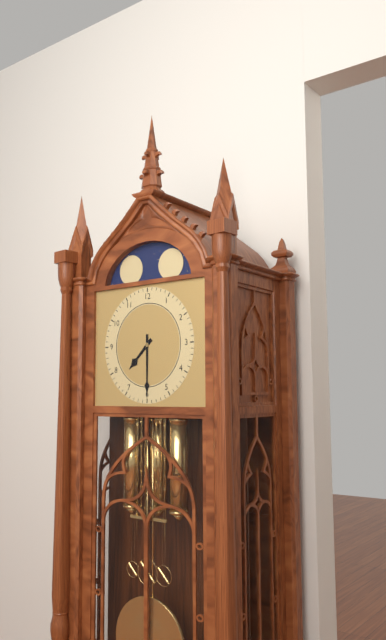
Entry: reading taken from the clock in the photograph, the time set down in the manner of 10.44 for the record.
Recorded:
7.30
